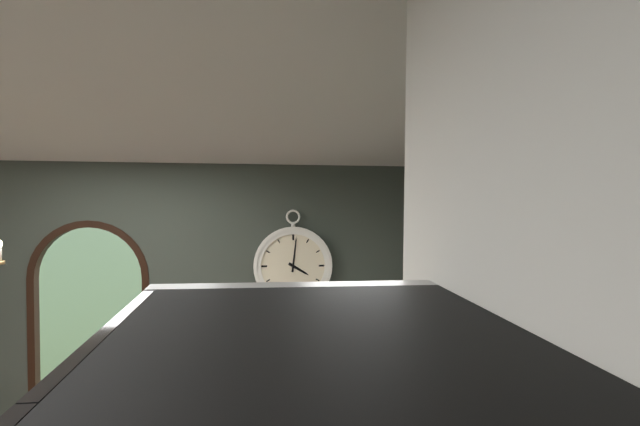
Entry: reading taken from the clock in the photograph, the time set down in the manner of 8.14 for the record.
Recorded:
4.01
